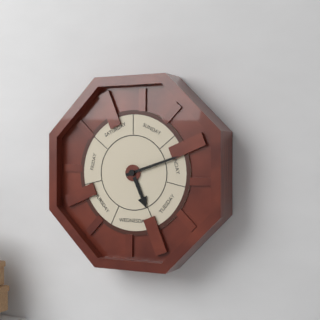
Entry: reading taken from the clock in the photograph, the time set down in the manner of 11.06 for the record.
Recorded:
5.12
